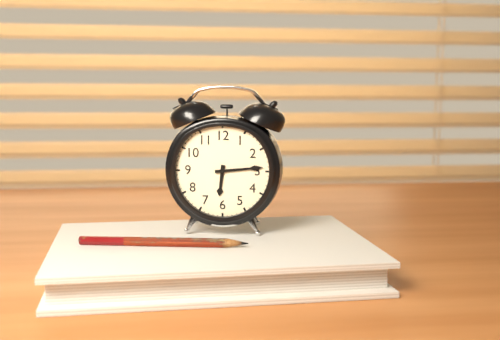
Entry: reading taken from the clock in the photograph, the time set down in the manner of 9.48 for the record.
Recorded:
6.14
